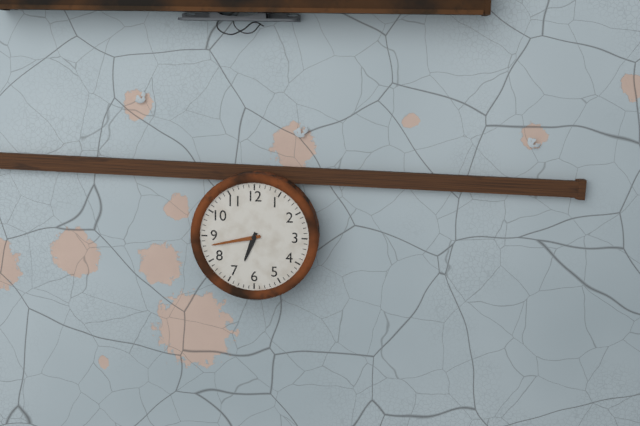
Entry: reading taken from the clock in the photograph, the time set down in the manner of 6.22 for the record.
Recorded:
6.43
